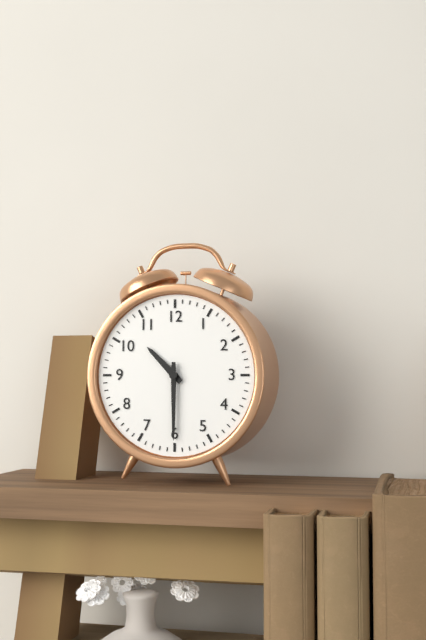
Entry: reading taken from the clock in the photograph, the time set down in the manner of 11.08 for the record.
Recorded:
10.30
